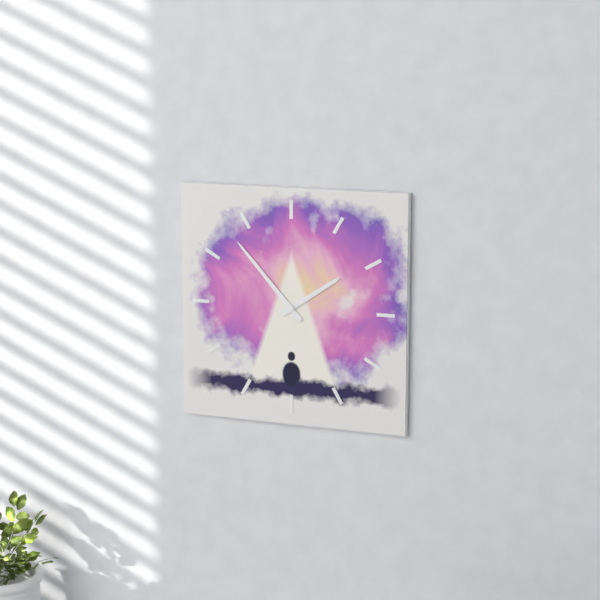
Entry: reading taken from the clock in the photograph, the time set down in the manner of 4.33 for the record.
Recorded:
1.53
